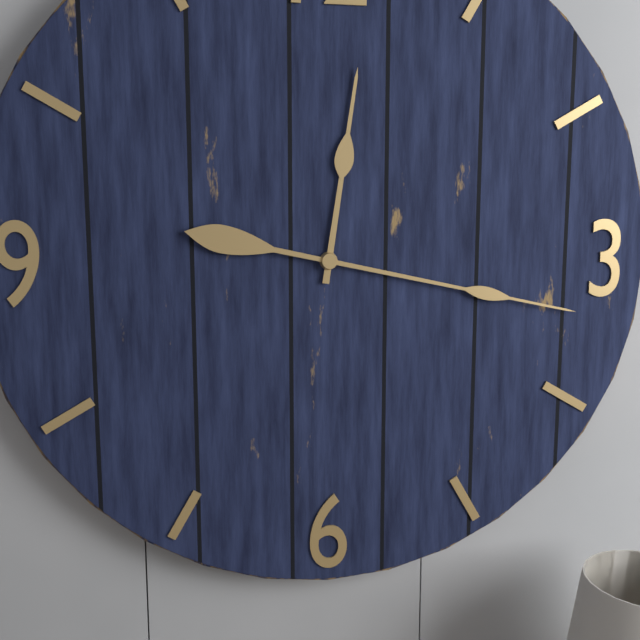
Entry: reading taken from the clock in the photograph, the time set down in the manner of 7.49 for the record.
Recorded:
12.17
